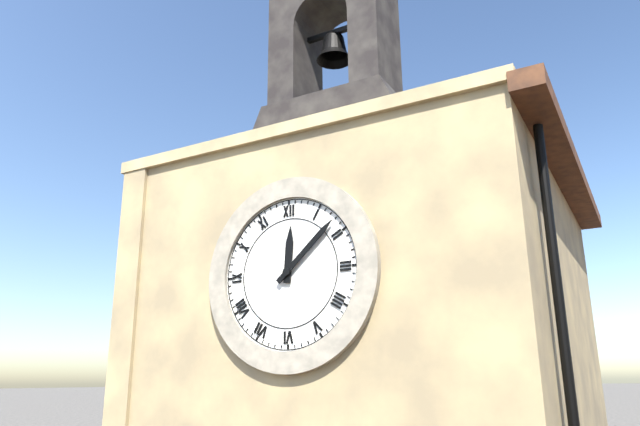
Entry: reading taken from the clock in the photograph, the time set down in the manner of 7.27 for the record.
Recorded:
12.08
